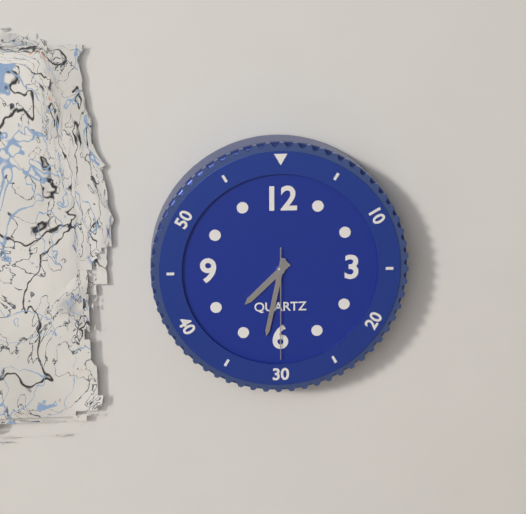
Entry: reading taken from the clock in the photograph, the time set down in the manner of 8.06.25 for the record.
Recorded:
7.32.30
